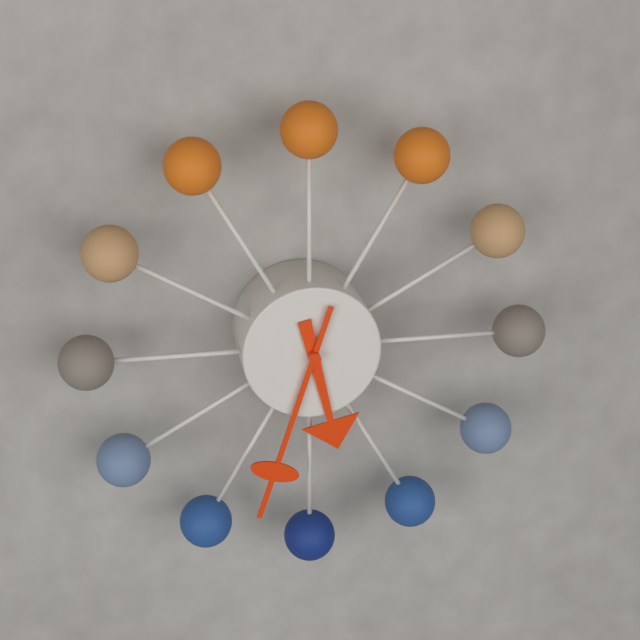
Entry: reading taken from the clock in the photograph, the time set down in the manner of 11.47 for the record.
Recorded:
5.33
